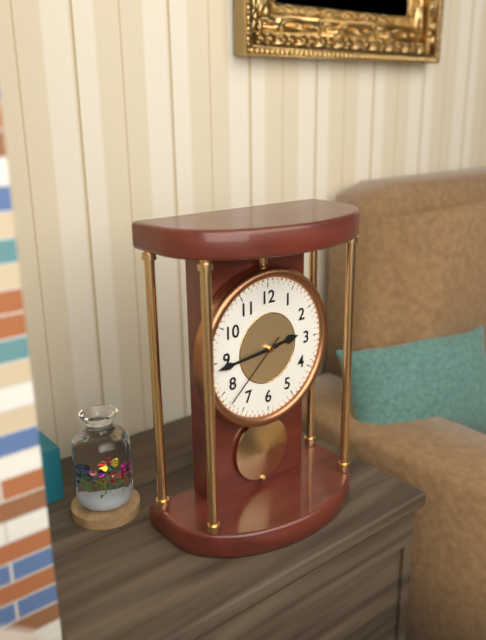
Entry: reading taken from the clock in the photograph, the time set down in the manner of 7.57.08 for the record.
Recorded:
2.44.38
